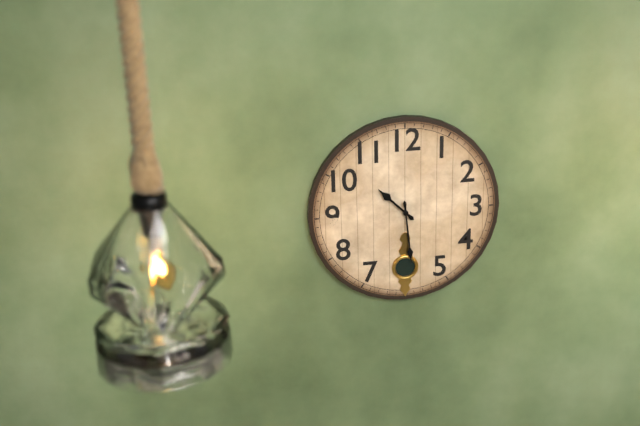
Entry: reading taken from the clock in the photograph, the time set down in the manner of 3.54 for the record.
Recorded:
10.29
